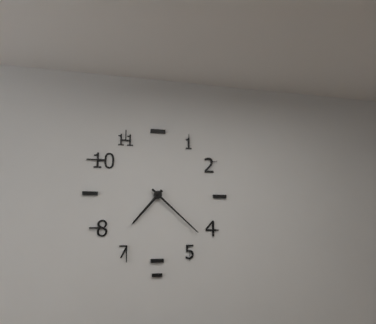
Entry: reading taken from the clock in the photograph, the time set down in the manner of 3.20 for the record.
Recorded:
7.22
